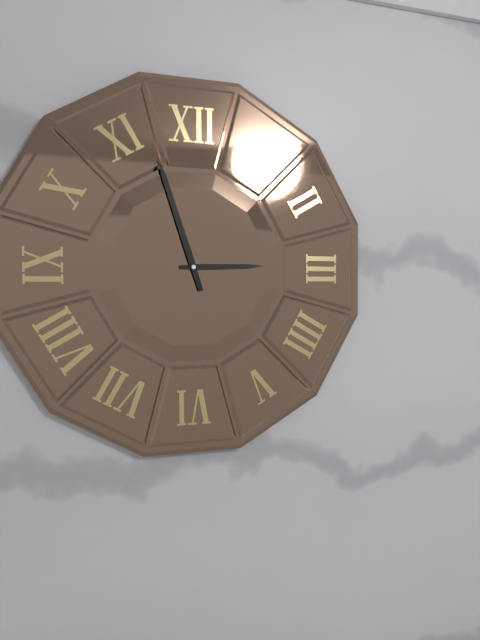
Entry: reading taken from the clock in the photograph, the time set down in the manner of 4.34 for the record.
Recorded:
2.57
